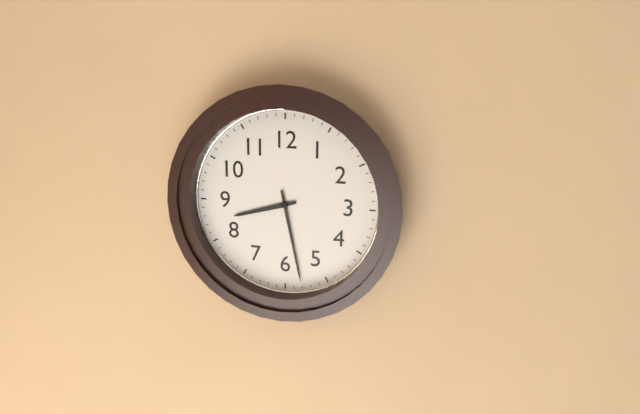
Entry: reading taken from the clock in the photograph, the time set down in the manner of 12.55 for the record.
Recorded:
8.28
